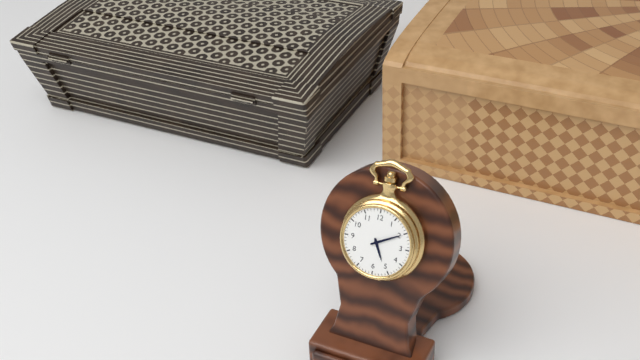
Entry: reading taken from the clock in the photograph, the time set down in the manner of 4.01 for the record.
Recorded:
5.10
